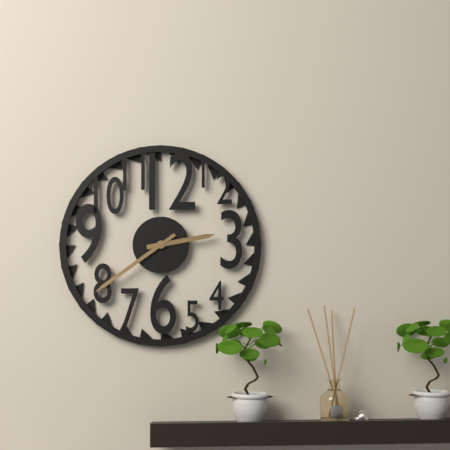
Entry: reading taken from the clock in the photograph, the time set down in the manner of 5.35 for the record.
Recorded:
2.39
